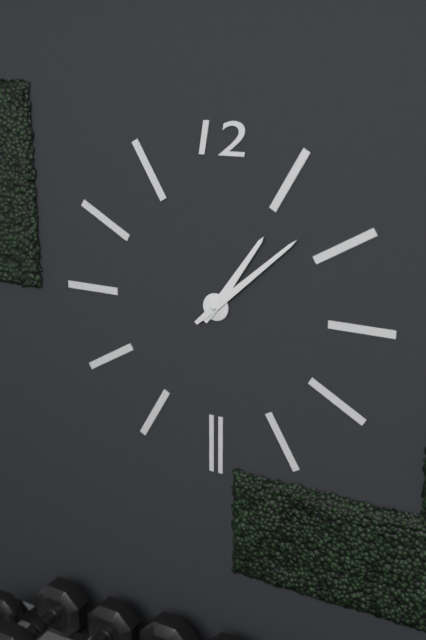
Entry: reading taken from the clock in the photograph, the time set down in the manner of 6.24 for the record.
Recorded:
1.08
